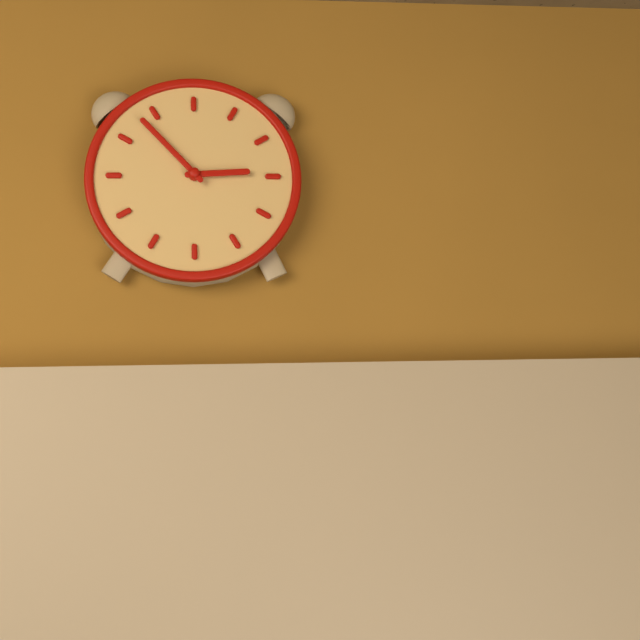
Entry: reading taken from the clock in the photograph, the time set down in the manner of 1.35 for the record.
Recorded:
2.53
